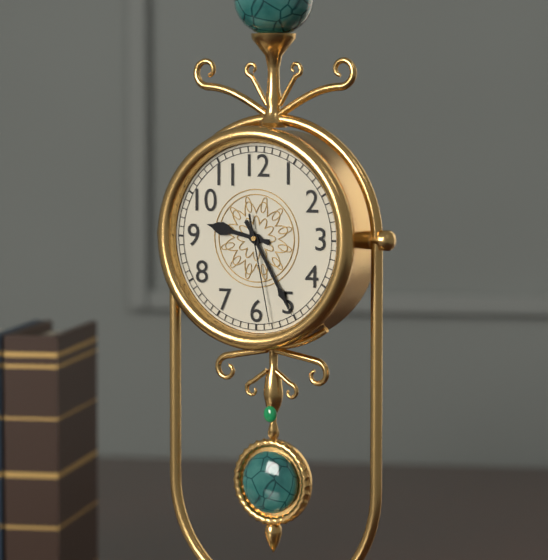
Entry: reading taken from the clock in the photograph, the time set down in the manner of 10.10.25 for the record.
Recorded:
9.25.28
